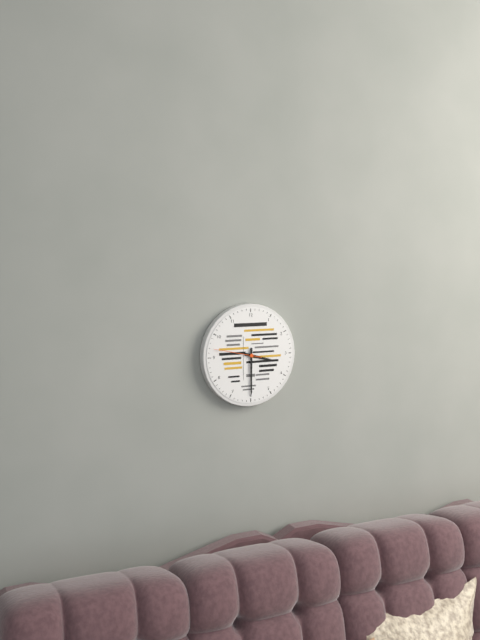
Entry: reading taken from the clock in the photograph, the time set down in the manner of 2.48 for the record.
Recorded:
3.30
